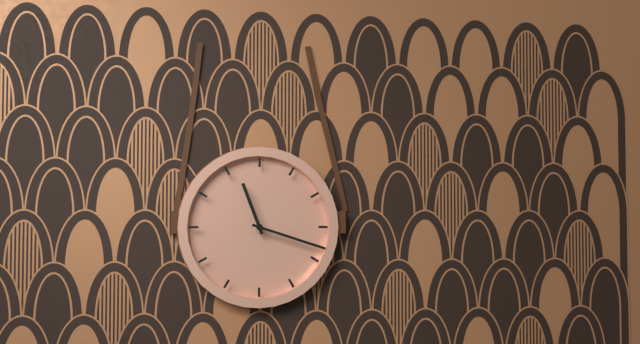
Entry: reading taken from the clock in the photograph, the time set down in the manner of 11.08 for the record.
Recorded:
11.18
